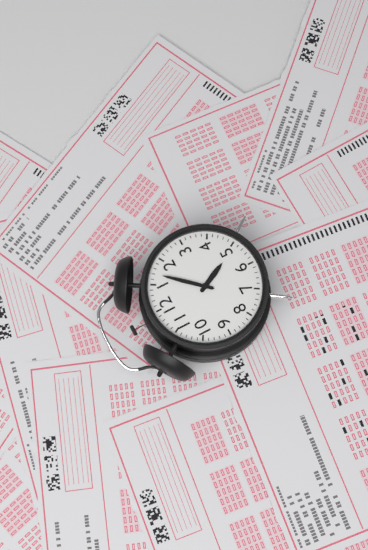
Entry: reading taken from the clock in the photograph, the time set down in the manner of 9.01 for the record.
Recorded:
5.07
